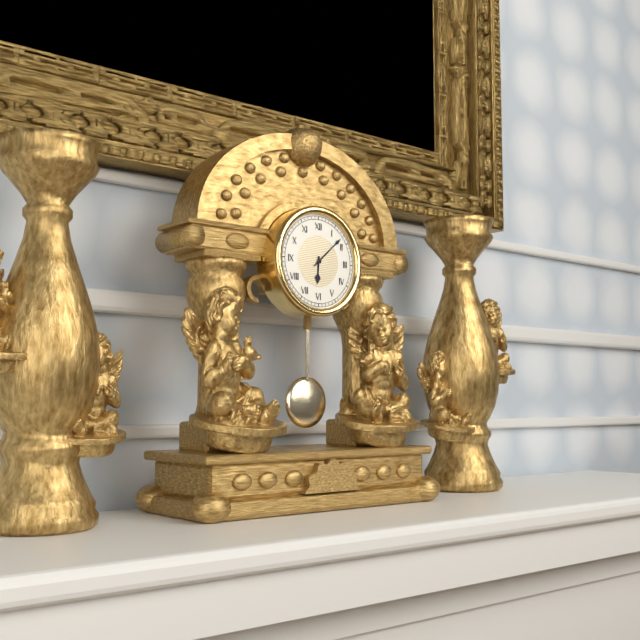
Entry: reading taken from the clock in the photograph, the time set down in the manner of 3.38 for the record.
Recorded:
6.08
